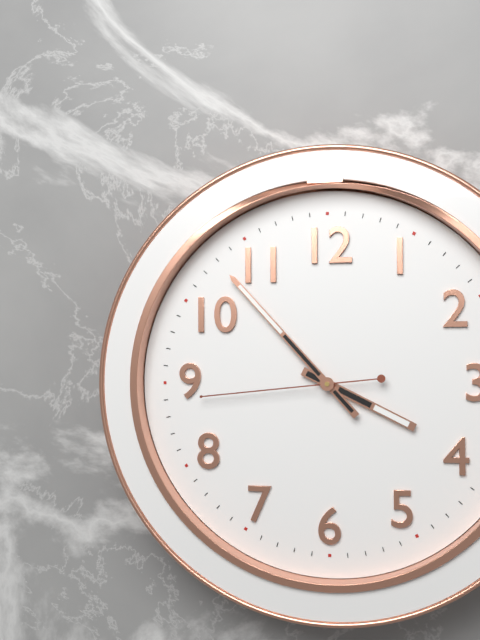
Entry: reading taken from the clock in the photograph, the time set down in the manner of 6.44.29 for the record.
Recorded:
3.53.44
